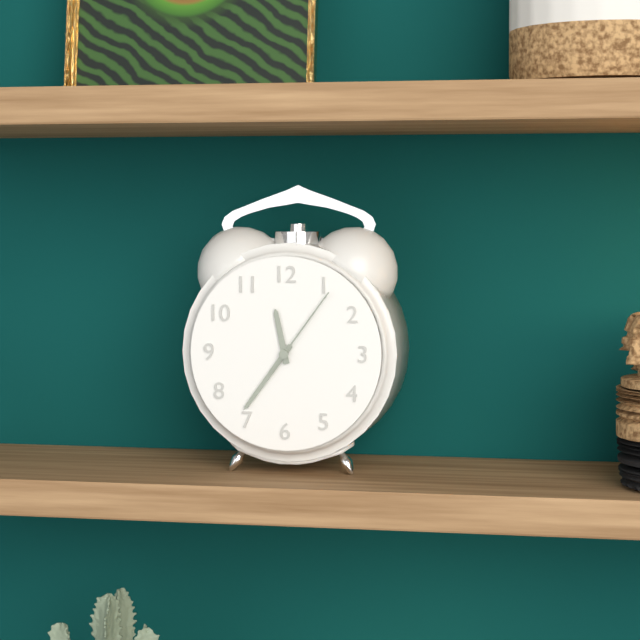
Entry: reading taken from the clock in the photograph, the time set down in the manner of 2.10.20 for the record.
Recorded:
11.36.06
